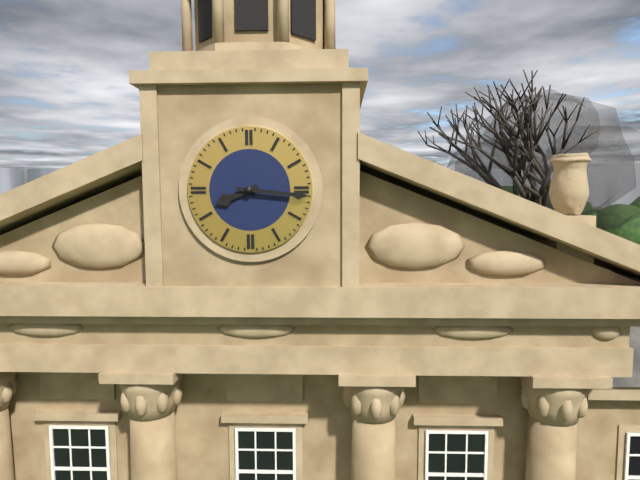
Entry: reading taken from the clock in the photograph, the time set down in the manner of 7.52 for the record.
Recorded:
8.16
